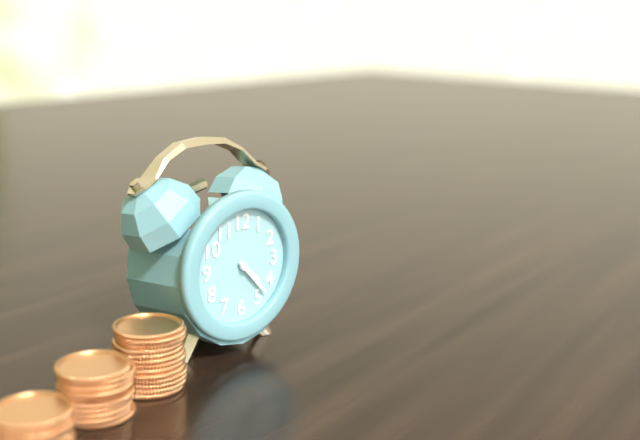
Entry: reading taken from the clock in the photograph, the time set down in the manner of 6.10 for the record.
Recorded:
4.23
